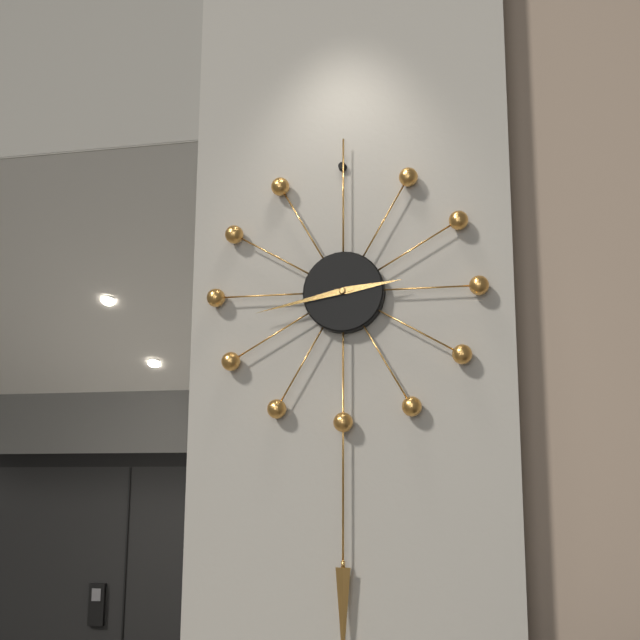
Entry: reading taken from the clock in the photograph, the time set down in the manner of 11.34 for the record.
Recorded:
2.43
